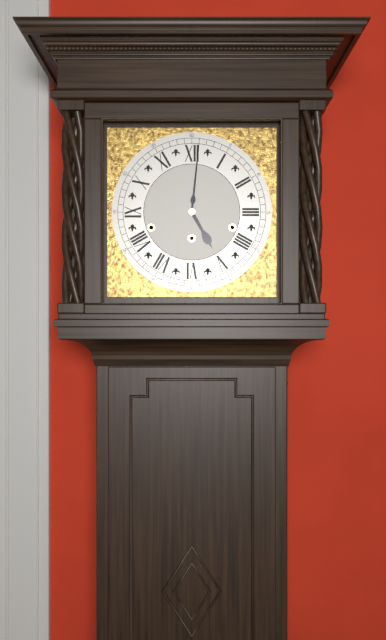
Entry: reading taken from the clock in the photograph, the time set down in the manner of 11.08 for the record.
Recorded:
5.01
